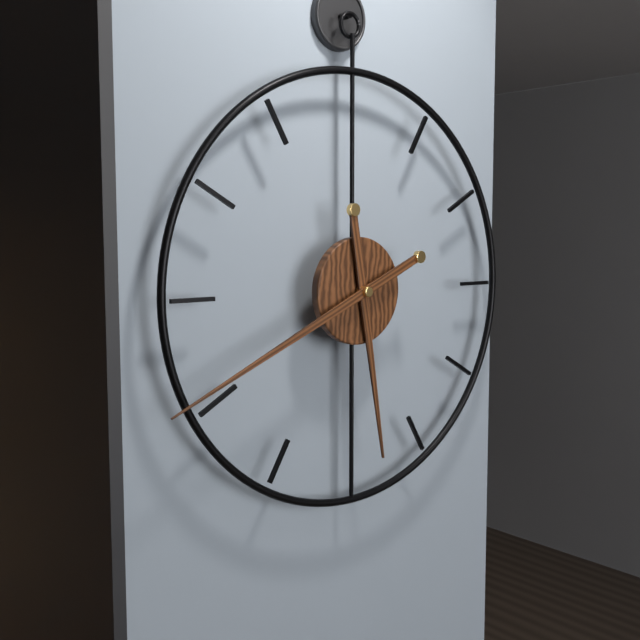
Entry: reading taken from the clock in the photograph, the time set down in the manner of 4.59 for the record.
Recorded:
5.41
